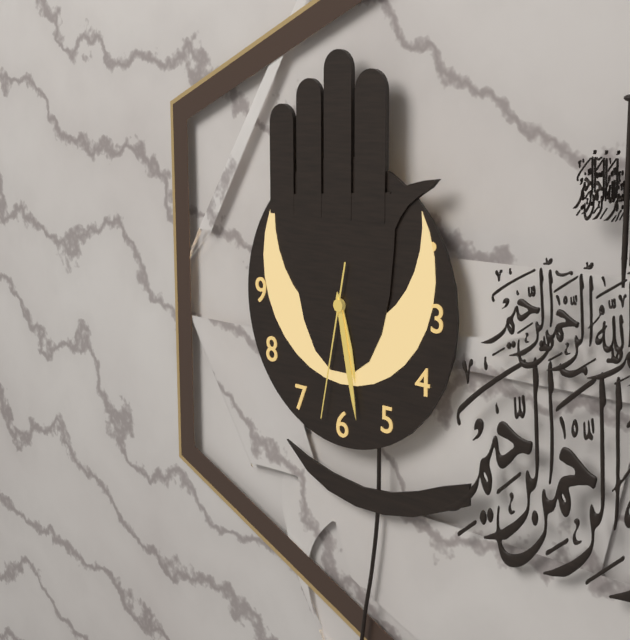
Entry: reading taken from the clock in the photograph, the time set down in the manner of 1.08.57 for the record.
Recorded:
5.28.32
